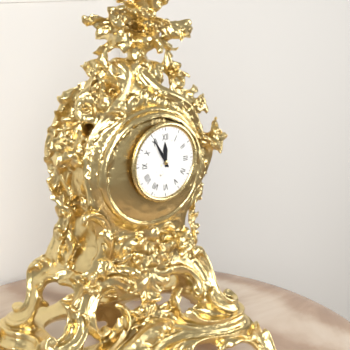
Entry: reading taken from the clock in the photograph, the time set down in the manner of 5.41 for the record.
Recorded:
11.55
